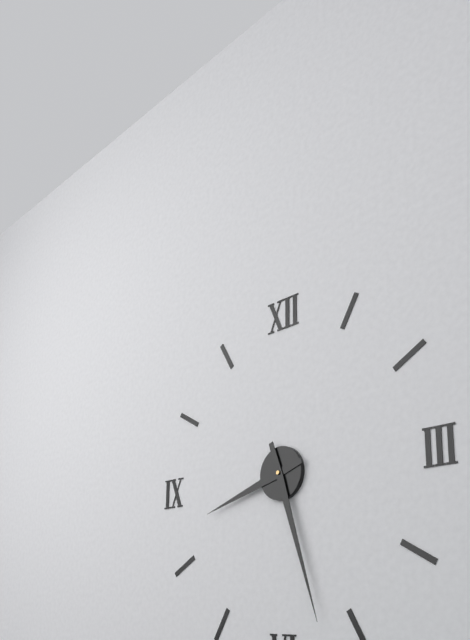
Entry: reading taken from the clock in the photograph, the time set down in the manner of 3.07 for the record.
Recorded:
8.27
